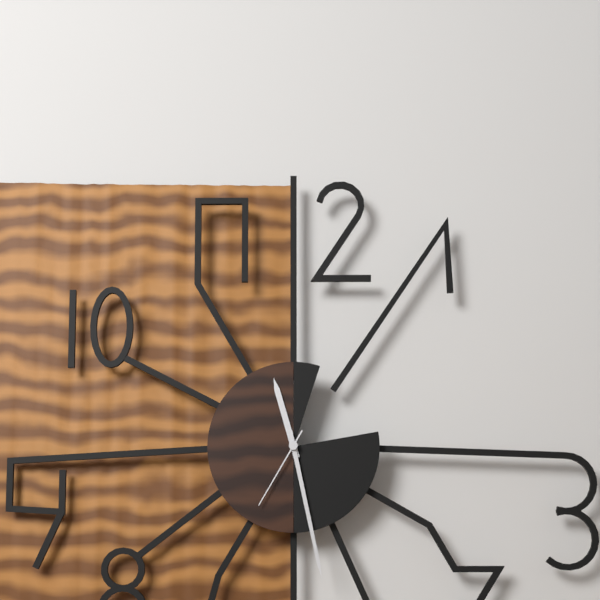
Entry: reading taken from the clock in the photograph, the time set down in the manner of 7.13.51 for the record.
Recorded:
11.28.35
